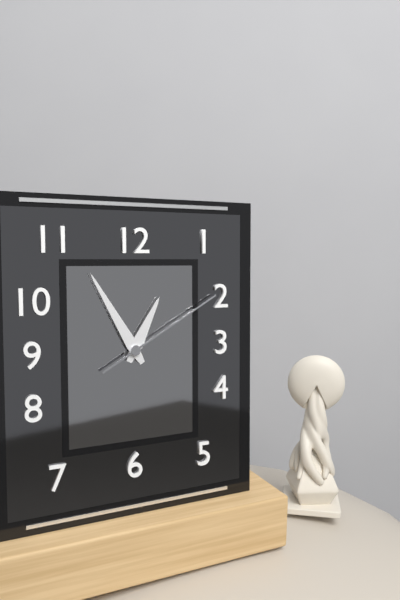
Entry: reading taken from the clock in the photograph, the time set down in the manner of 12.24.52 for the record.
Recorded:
12.55.10
